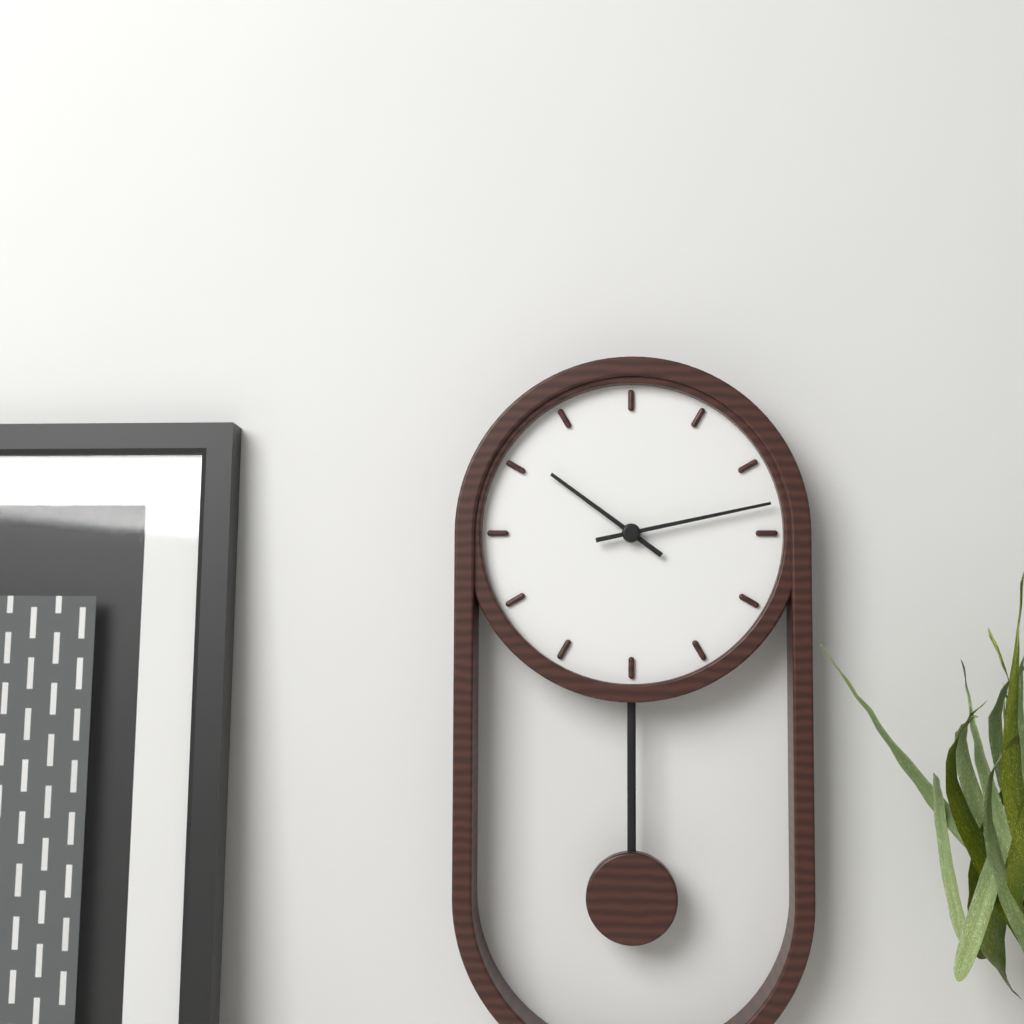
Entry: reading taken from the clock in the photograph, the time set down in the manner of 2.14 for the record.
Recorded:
10.13
